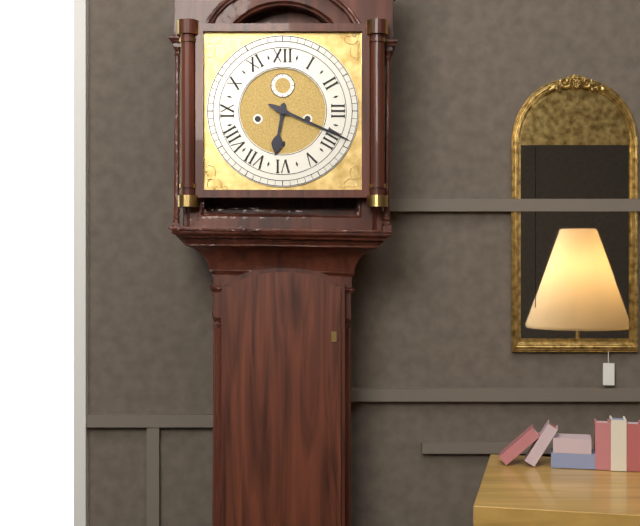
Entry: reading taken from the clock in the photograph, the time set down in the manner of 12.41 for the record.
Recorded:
6.19
